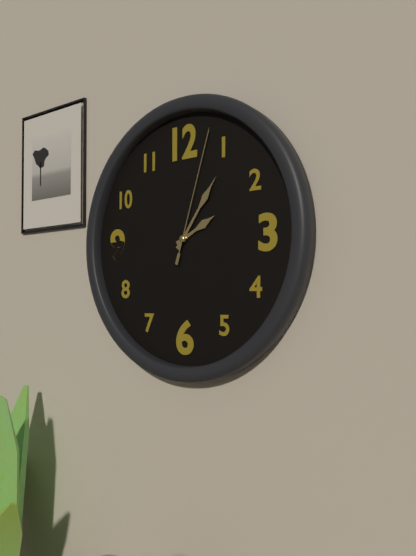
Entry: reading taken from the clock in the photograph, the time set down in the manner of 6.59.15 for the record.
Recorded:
2.06.03
